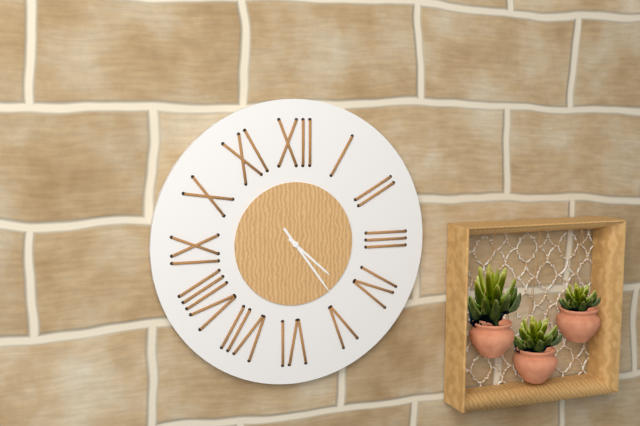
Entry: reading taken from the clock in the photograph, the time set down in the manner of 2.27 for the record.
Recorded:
4.24
